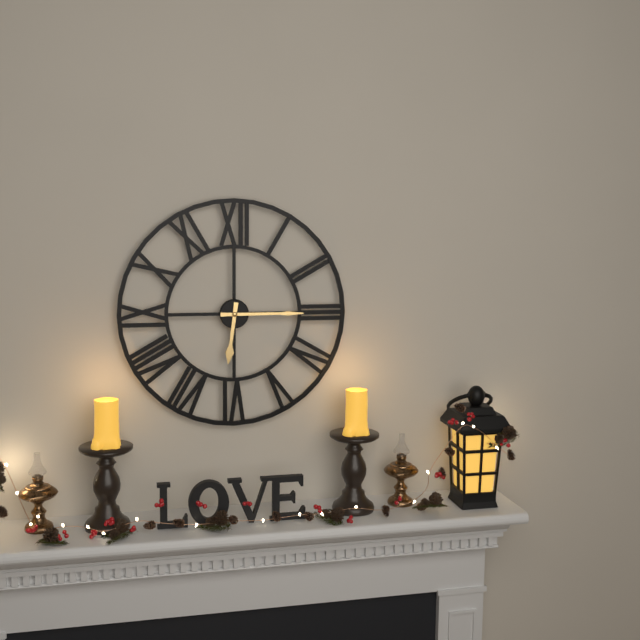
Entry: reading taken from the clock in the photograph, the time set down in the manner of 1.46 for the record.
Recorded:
6.15
